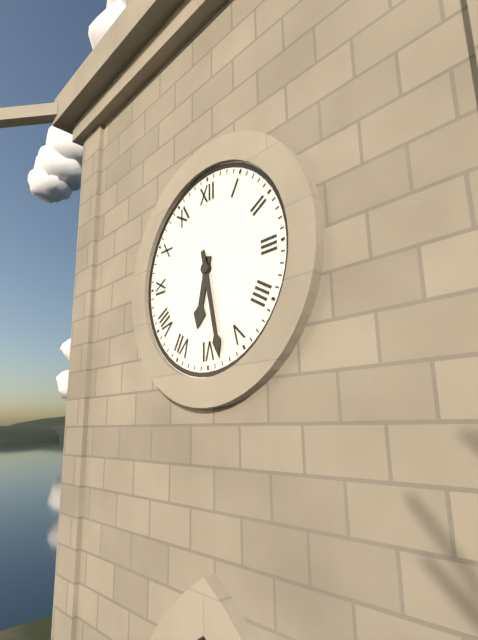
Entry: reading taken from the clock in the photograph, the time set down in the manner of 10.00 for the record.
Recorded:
6.28
